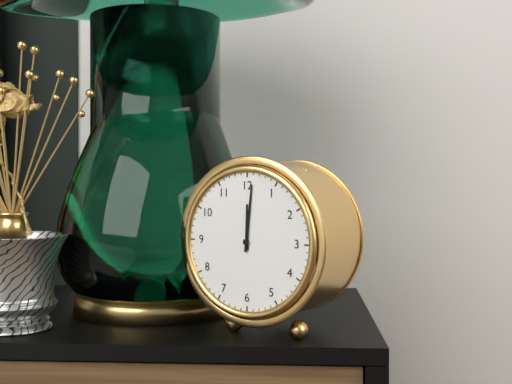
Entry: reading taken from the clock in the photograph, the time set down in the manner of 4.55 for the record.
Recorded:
12.01
